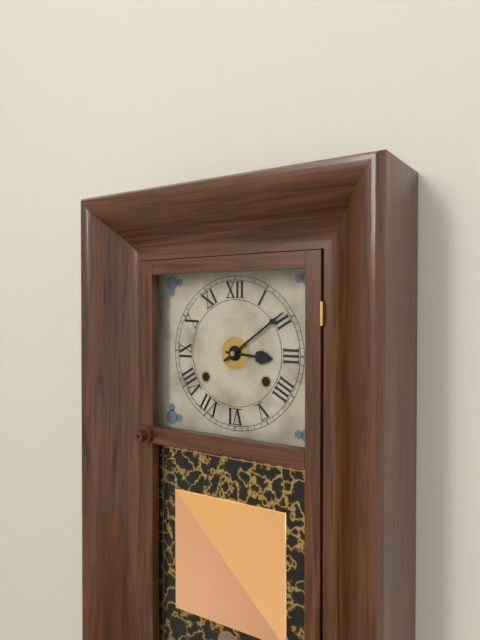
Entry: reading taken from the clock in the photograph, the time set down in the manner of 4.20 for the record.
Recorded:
3.09
